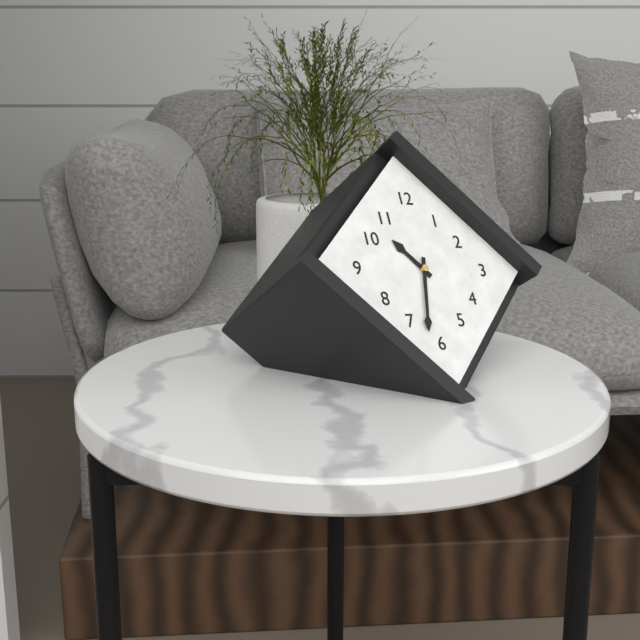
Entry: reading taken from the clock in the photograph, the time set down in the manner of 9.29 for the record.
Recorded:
10.32
